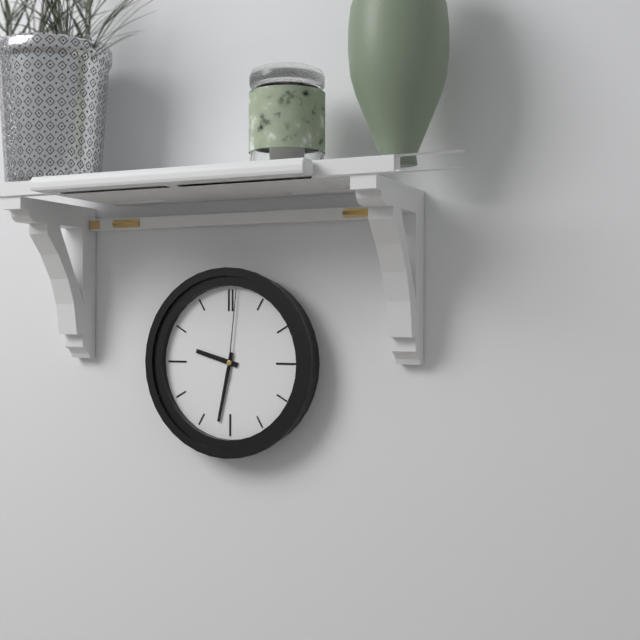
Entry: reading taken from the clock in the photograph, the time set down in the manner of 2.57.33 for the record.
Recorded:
9.32.01
